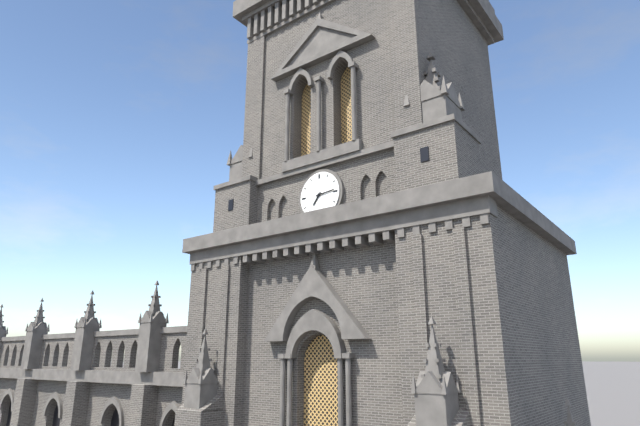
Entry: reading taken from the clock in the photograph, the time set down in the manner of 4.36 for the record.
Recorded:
7.14
